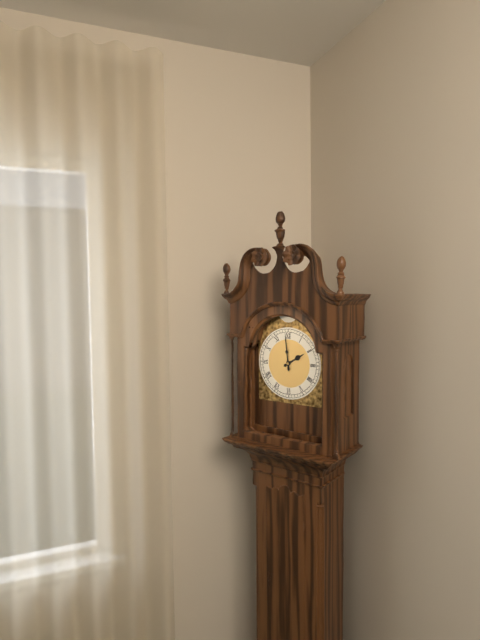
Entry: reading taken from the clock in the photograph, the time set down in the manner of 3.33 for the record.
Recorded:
1.59
